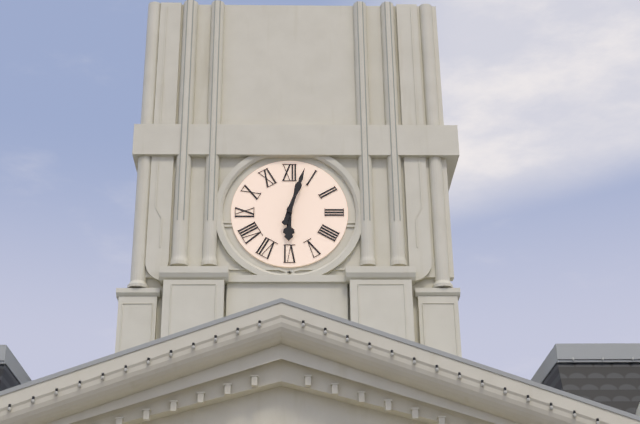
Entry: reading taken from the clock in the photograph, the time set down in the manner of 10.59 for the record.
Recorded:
6.03
